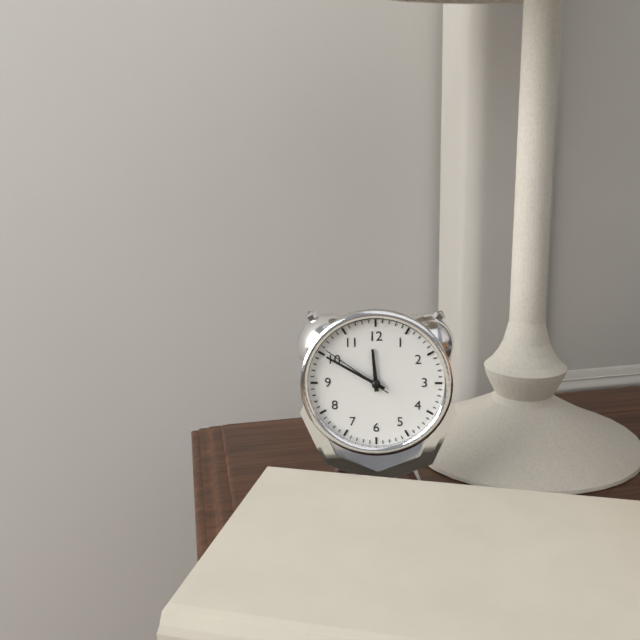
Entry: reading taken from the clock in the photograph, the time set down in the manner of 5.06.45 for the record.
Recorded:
11.50.51
